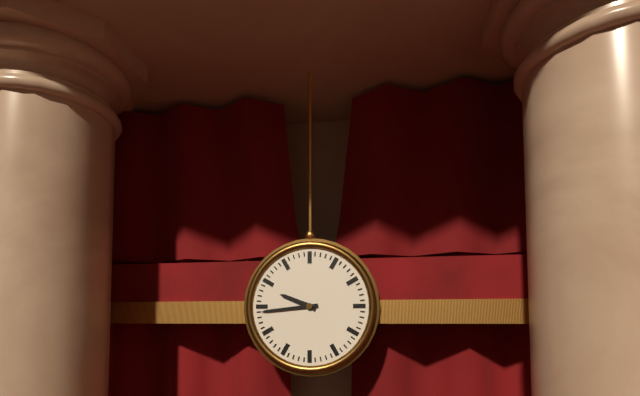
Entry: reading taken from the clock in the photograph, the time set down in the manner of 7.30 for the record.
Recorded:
9.44
